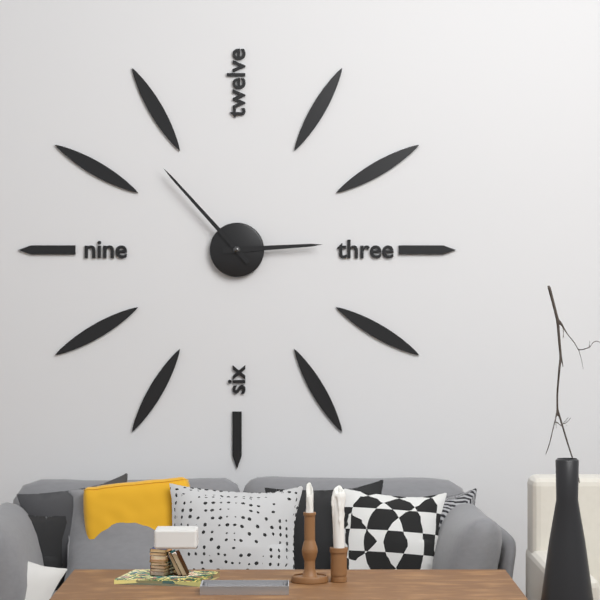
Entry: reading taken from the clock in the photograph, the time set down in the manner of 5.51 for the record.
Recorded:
2.53
